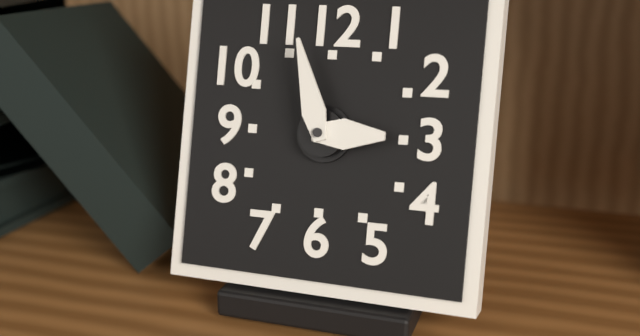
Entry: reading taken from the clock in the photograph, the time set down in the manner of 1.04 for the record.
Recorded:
2.57
